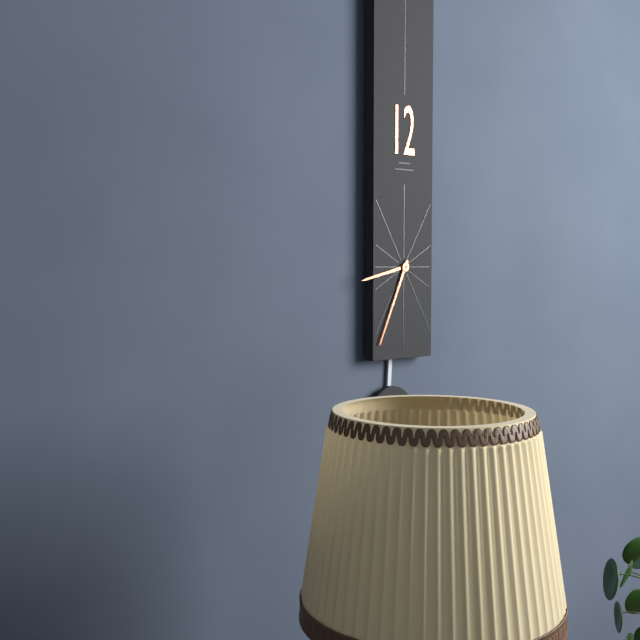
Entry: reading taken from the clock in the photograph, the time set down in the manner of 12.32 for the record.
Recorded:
8.34
